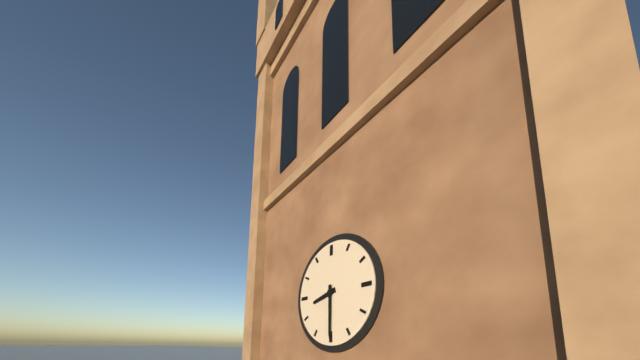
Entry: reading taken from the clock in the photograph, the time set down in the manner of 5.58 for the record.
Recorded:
8.30
